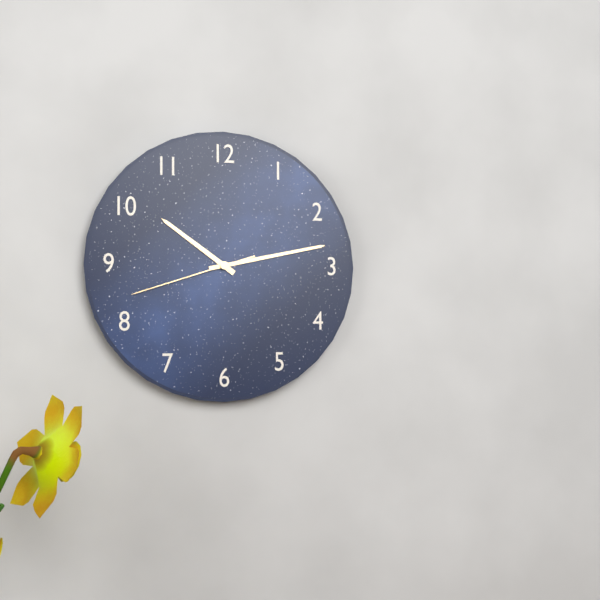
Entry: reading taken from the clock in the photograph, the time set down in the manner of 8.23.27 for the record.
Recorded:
10.13.42
